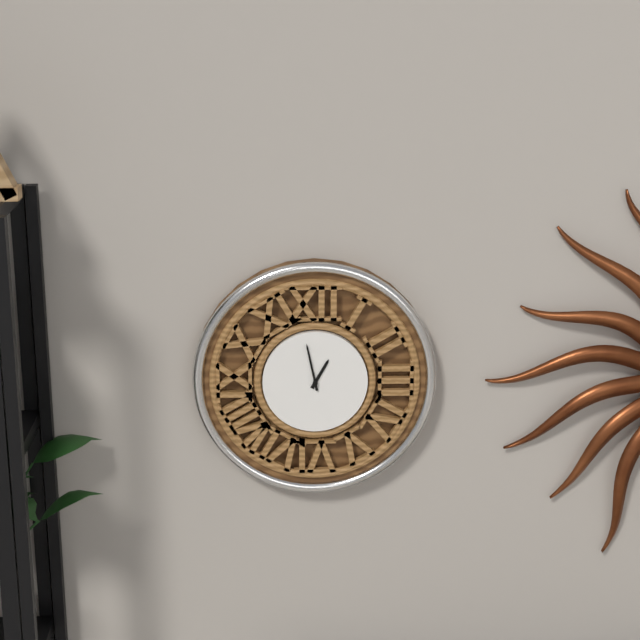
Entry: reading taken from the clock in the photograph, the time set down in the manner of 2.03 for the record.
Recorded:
12.58
